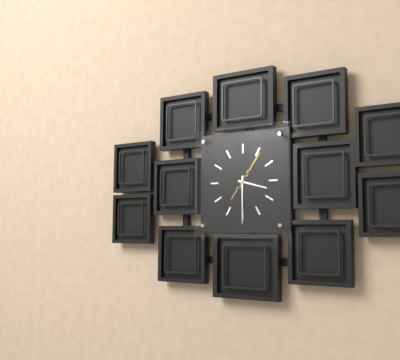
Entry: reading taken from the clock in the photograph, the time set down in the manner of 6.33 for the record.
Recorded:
3.30
